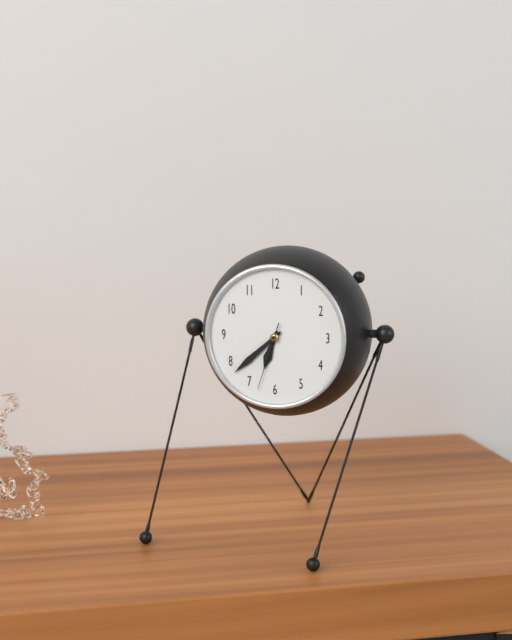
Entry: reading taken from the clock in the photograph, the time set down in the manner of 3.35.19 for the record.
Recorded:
6.38.33
